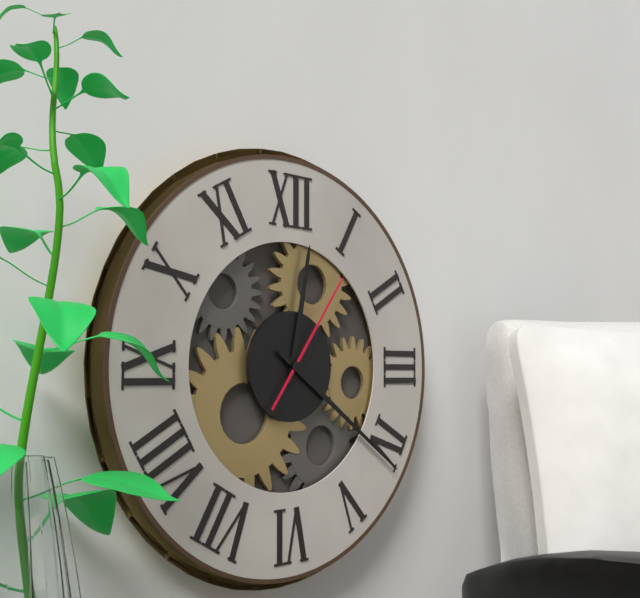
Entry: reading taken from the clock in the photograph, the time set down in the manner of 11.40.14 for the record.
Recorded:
12.21.06
